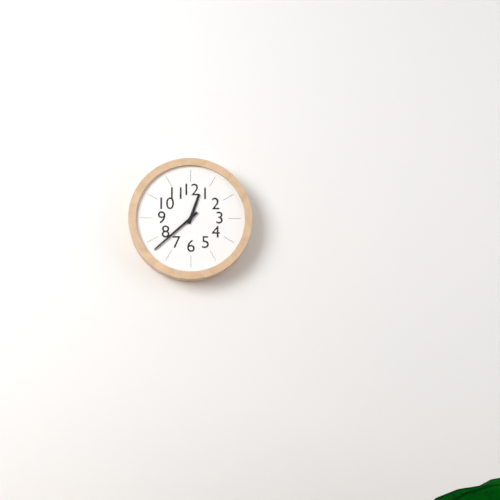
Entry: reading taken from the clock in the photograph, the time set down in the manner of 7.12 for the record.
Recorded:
12.38
